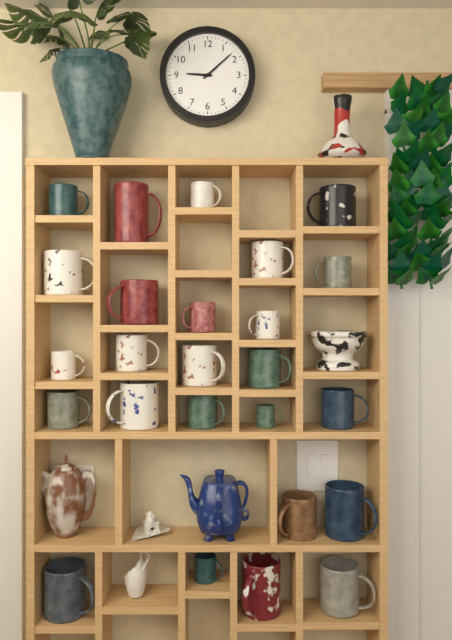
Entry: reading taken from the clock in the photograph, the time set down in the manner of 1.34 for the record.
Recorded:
9.08
